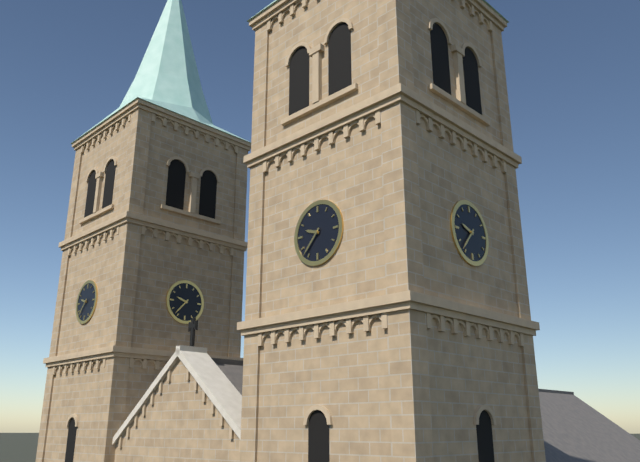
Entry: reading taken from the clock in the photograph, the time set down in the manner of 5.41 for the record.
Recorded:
9.37
